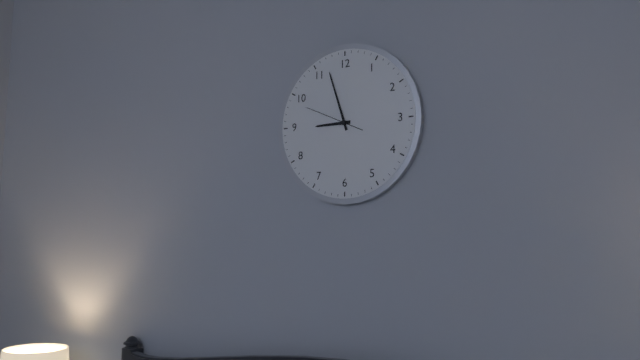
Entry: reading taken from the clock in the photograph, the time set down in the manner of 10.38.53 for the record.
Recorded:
8.57.49
